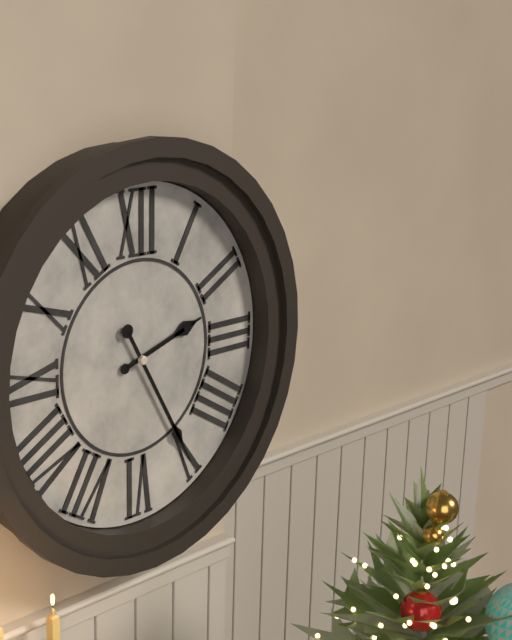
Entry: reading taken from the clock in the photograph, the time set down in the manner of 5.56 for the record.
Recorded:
2.25
